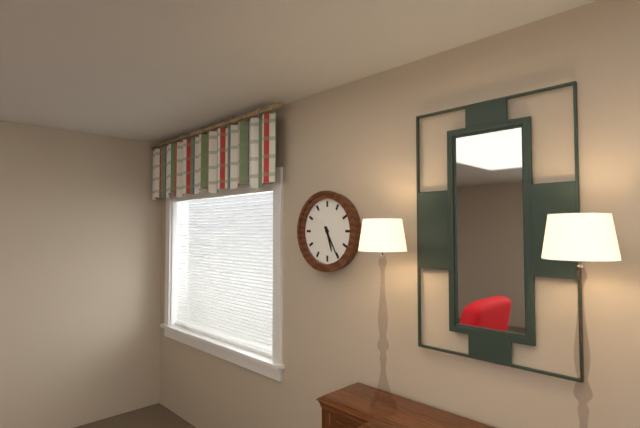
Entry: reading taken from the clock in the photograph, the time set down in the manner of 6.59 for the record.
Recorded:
5.25
